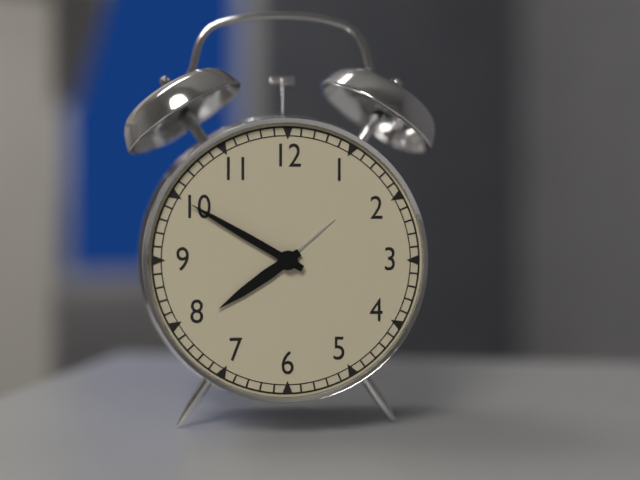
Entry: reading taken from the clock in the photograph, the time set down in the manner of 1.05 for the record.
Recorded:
7.50
